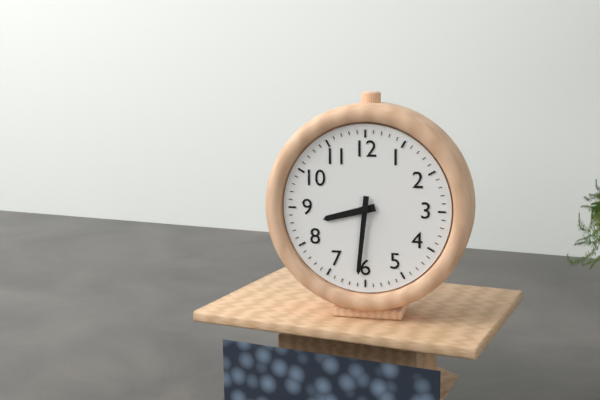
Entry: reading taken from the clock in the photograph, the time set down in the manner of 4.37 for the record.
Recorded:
8.31
